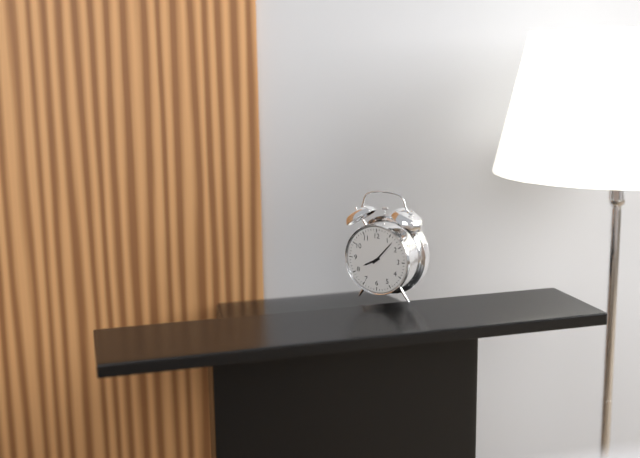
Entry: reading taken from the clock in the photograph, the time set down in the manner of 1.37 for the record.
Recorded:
8.07
